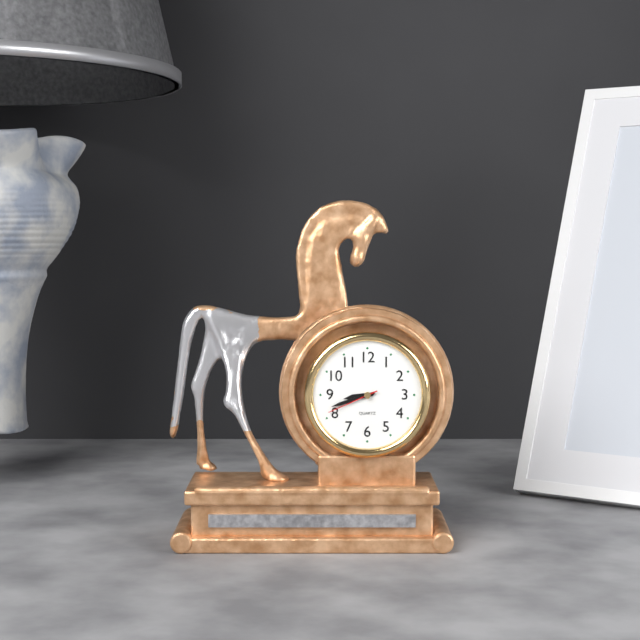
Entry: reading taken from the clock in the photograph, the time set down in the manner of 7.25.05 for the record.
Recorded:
8.42.41
